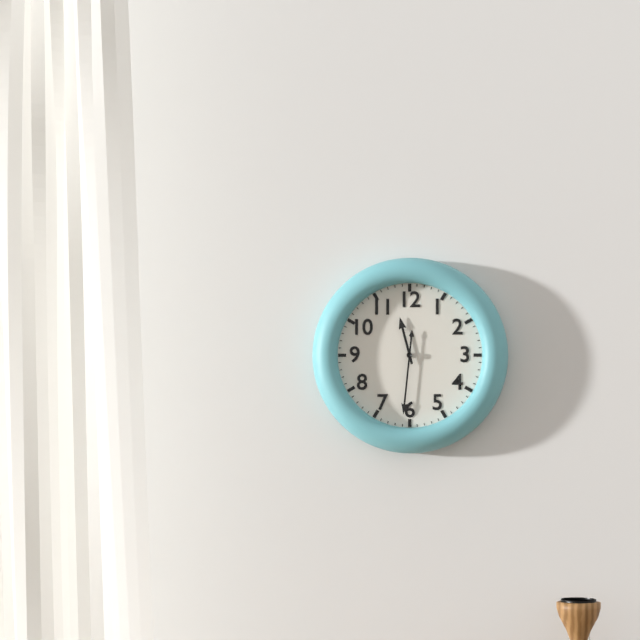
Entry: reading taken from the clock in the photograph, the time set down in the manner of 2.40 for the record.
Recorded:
11.31
